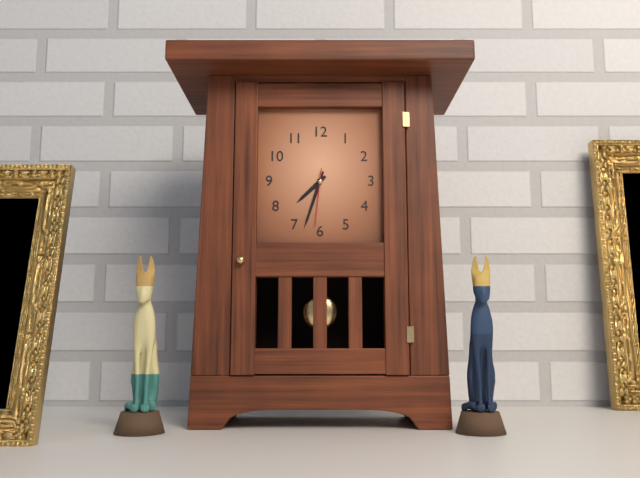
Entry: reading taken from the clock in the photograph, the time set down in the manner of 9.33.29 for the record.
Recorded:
7.33.31
